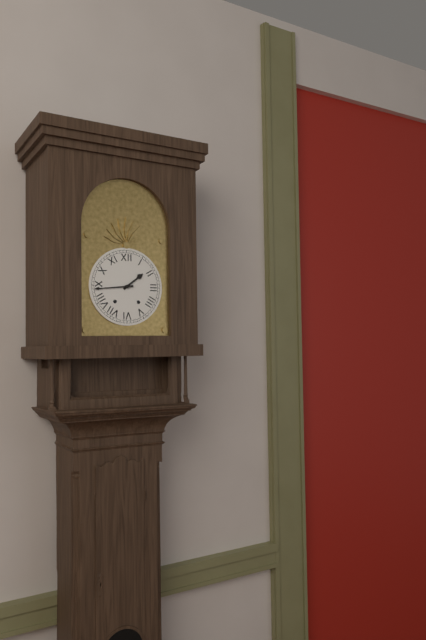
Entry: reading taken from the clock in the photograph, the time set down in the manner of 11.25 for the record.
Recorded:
1.44
